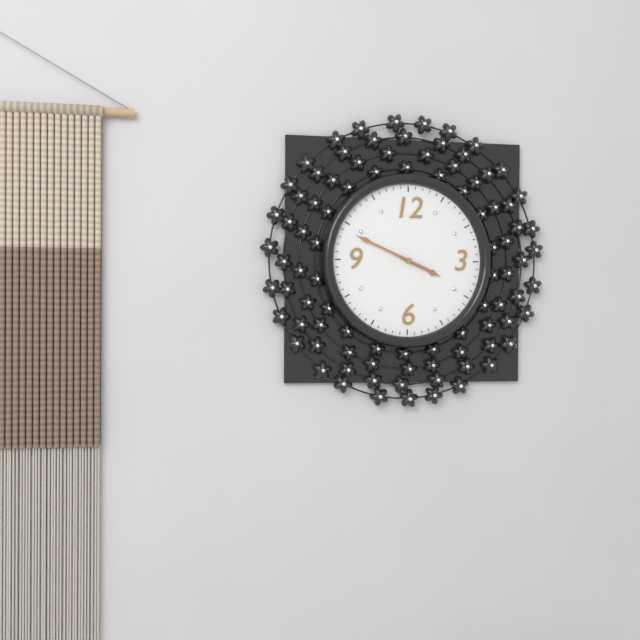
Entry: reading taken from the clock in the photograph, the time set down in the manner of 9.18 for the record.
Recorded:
3.49
